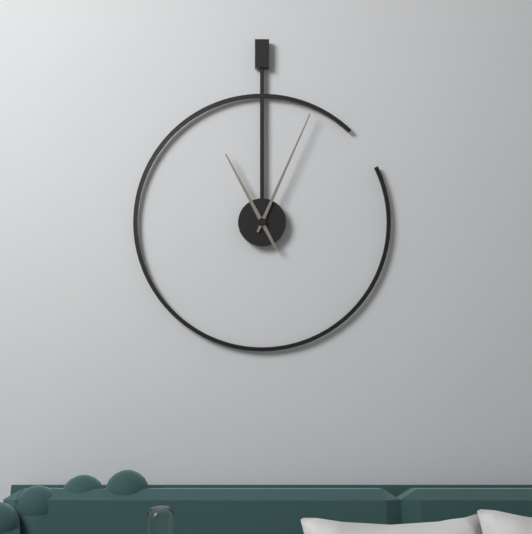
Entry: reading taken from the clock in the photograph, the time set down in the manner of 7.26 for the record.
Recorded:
11.04
